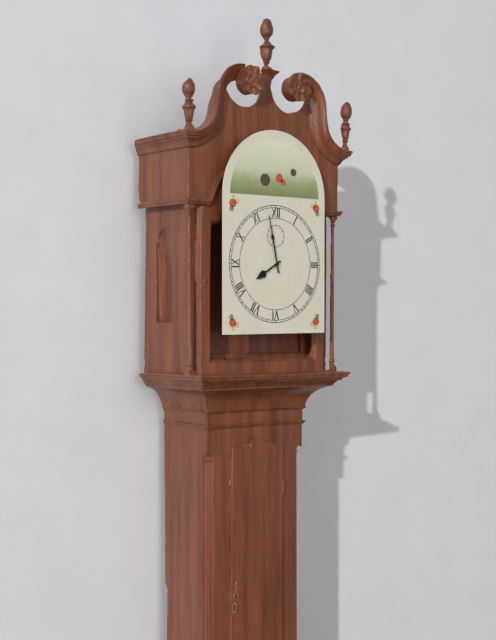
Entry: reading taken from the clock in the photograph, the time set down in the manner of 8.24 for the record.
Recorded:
7.58
